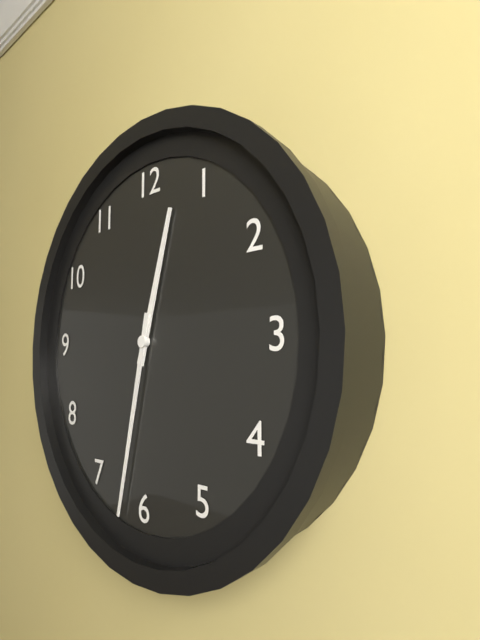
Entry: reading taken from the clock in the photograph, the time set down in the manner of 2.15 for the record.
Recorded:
12.32
